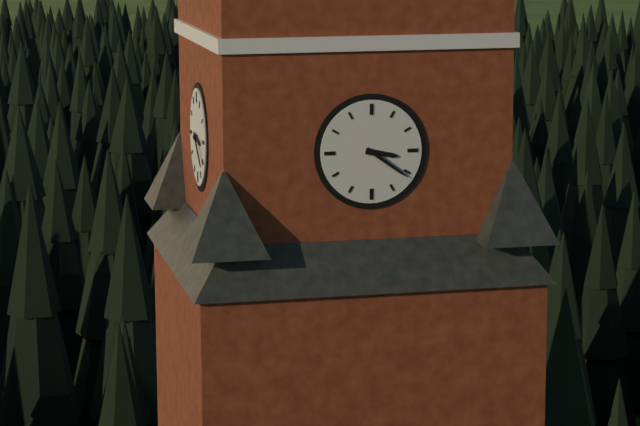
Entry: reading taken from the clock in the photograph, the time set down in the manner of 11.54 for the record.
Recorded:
3.21
